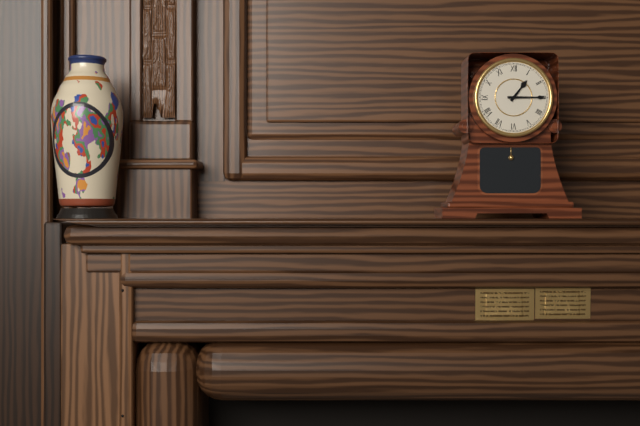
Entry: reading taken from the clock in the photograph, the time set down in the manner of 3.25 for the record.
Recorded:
1.15
